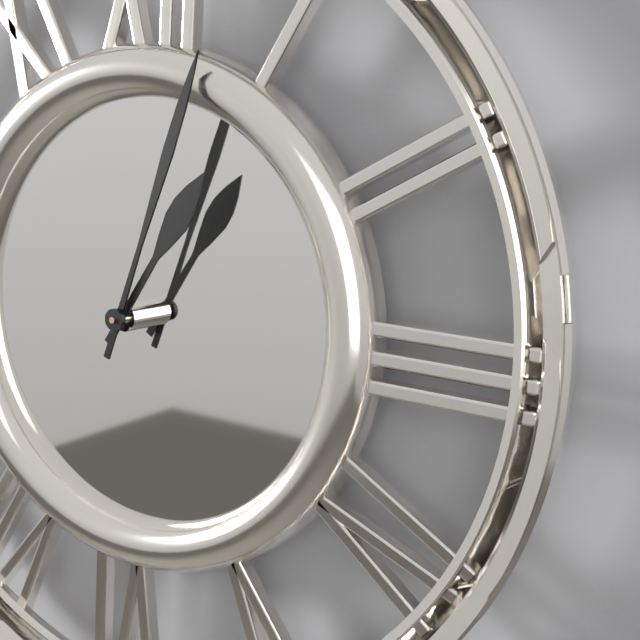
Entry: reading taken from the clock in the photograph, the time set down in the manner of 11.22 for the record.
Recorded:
1.03
